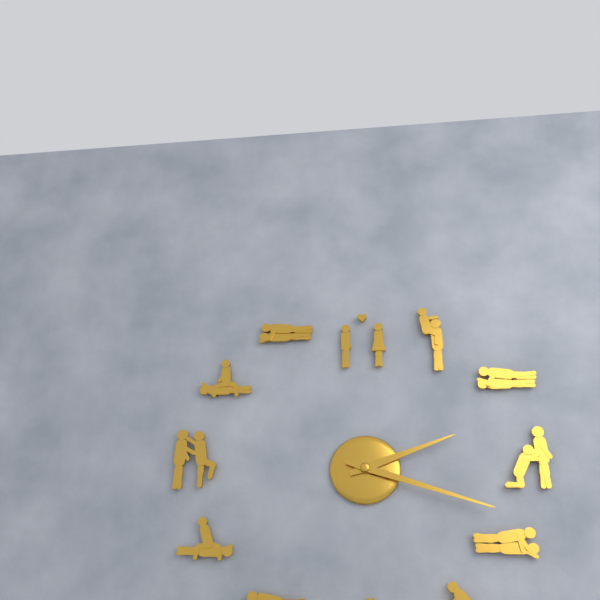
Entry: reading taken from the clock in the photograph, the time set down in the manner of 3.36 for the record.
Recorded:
2.18
